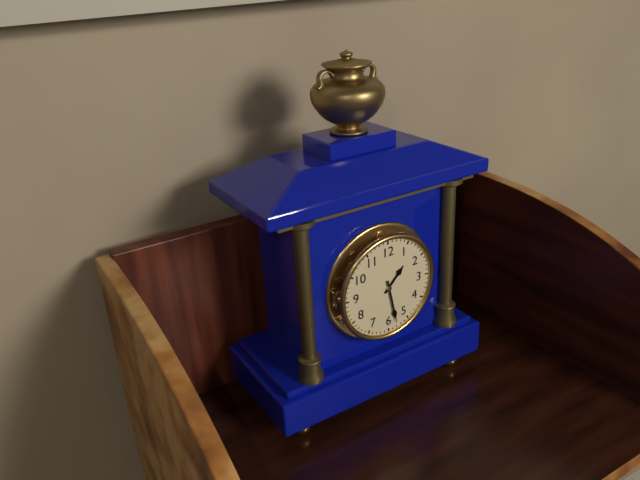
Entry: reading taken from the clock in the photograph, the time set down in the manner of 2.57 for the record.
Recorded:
1.28
